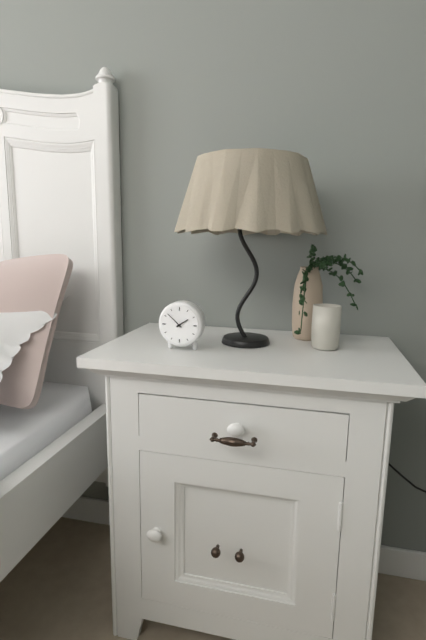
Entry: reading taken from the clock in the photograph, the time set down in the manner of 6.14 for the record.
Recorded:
1.52
